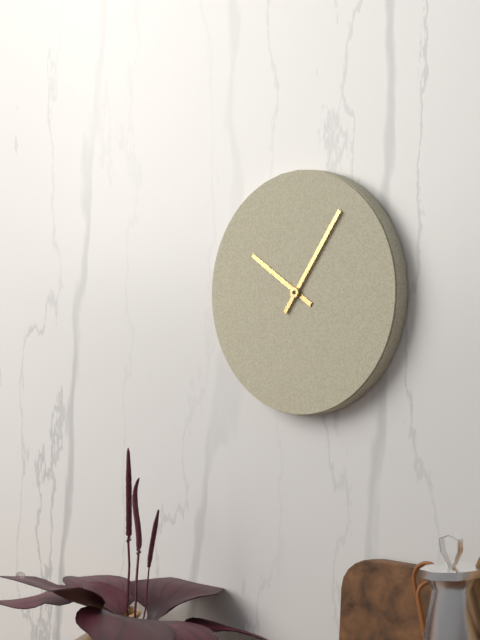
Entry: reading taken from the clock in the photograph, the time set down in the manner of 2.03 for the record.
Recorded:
10.06
